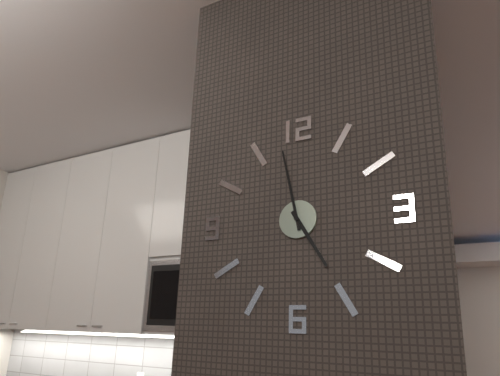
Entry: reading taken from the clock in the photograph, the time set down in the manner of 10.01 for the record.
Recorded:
4.58
